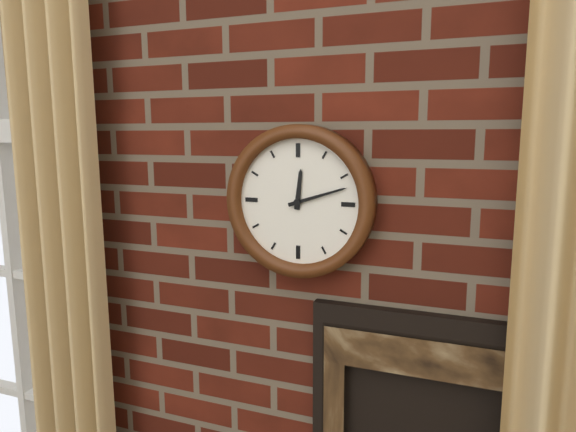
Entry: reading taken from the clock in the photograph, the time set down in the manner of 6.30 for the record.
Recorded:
12.12
